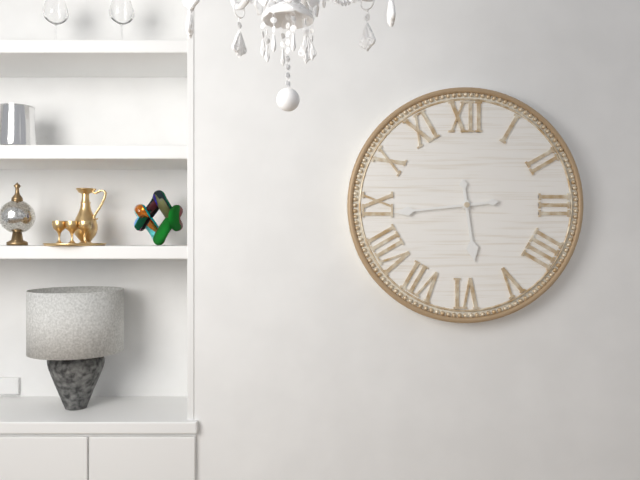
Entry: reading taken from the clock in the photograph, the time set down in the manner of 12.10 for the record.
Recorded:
5.44
